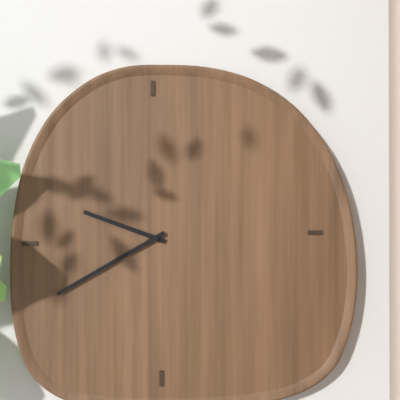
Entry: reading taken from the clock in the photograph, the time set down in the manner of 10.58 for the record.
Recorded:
9.40
